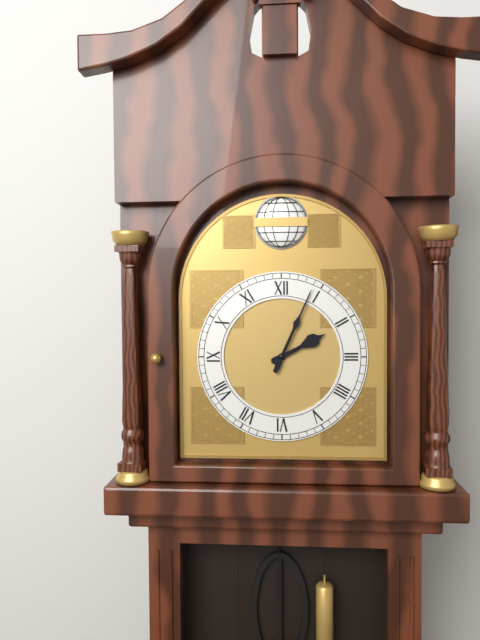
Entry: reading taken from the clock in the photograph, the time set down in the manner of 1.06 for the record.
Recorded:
2.04
